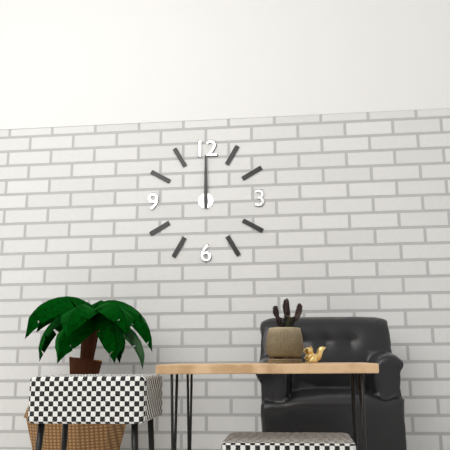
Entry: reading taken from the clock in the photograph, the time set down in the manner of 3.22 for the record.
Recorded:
12.00
